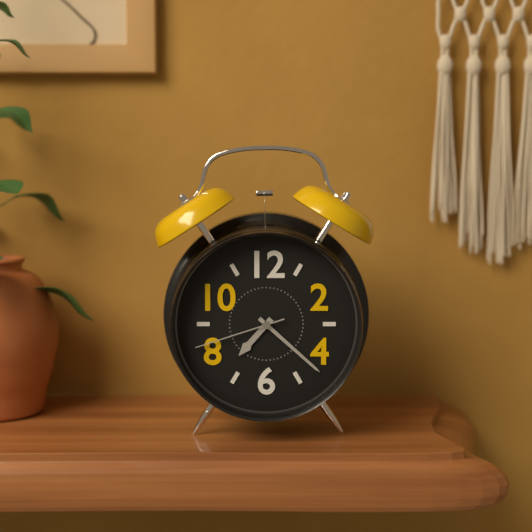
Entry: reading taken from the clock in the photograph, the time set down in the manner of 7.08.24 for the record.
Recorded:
7.22.42
